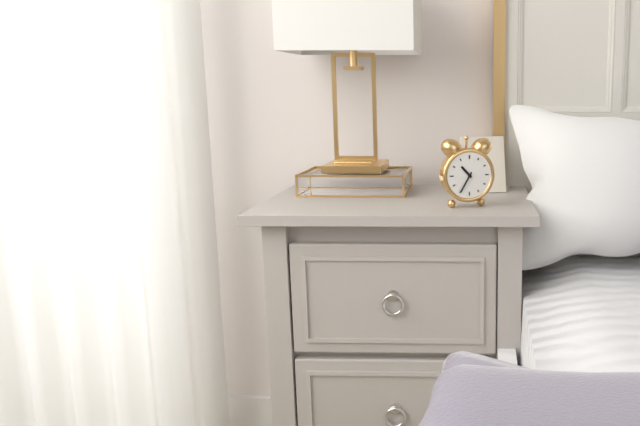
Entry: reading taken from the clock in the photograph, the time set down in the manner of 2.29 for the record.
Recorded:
10.35
